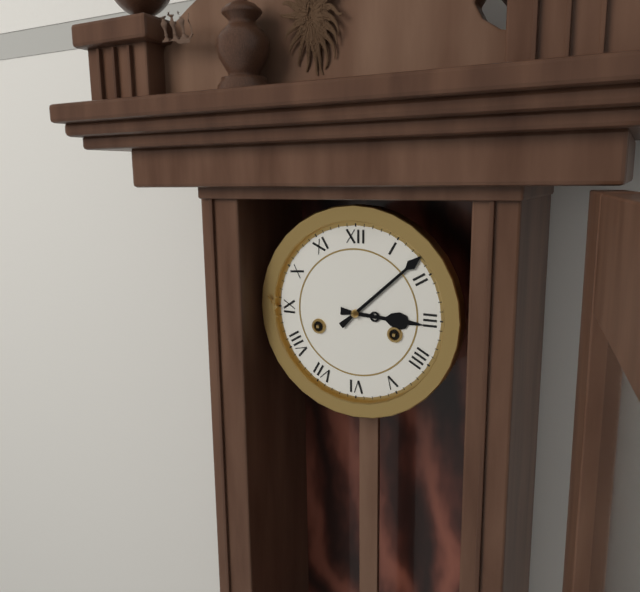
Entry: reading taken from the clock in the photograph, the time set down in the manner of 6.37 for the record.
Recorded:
3.08
